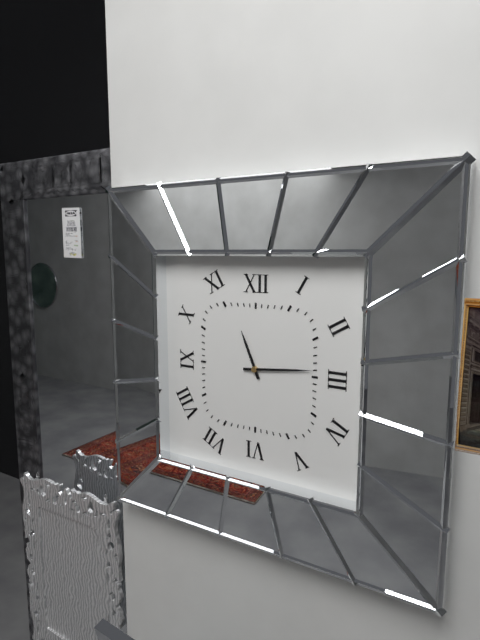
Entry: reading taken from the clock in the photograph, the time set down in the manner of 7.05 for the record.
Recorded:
11.14
